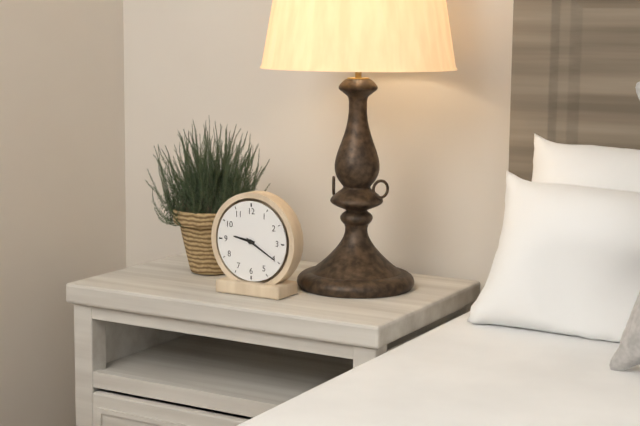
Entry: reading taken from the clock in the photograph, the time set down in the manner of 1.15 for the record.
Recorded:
9.20
